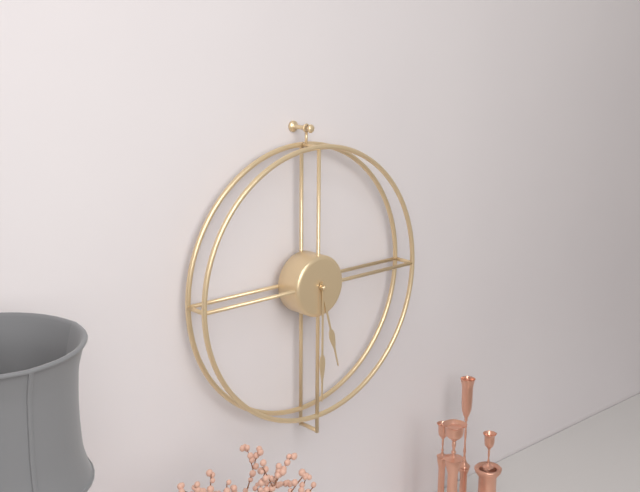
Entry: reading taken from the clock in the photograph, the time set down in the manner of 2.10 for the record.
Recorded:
5.30
